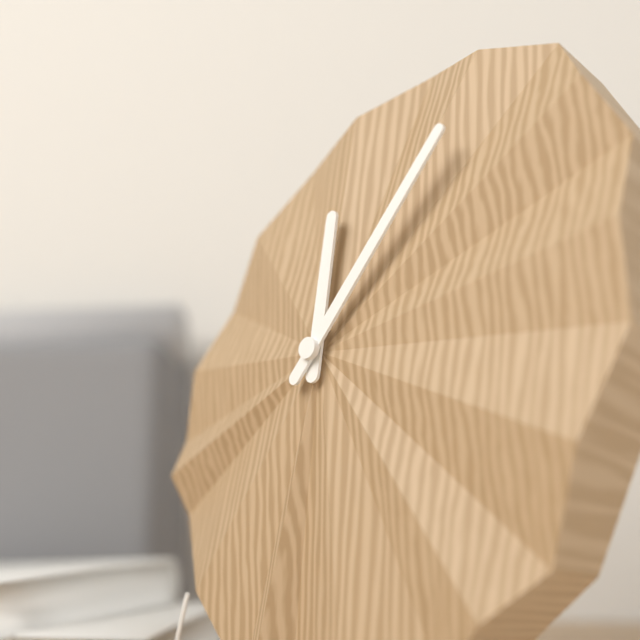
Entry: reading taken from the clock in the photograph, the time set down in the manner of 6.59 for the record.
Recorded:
12.06
